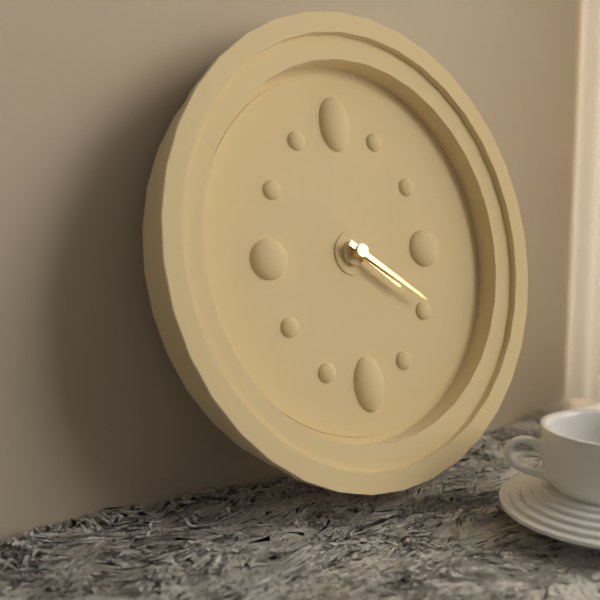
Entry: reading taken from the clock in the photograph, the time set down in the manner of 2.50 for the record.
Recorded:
4.21
